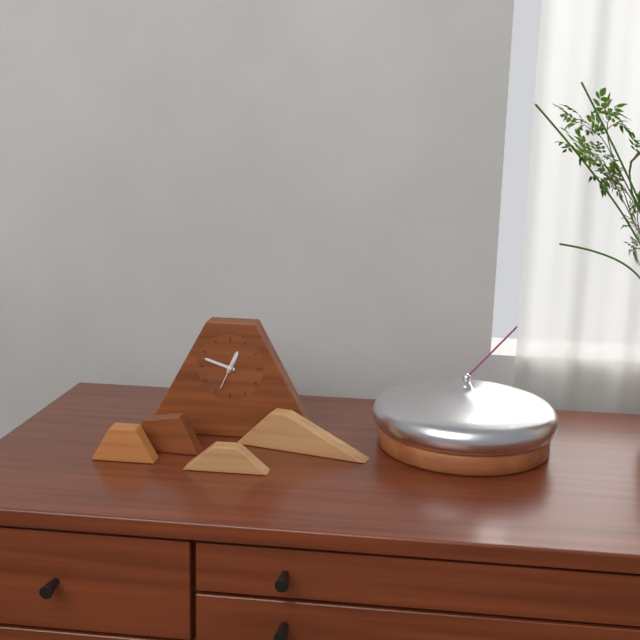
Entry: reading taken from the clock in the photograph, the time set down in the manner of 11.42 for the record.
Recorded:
12.48
